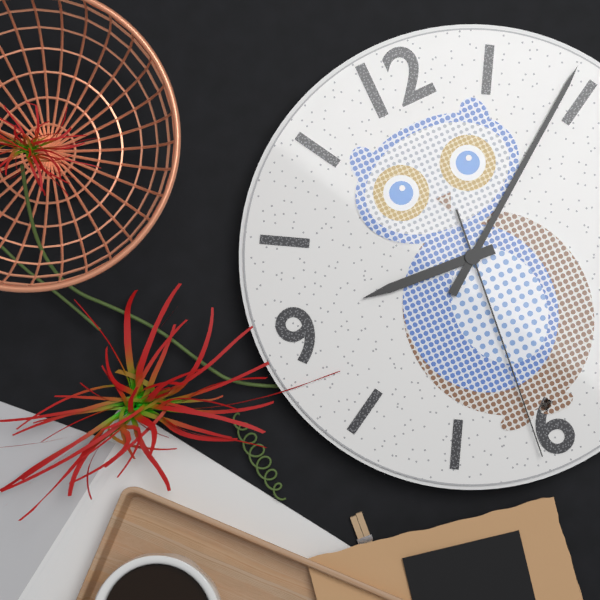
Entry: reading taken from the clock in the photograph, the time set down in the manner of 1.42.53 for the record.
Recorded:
9.09.31
